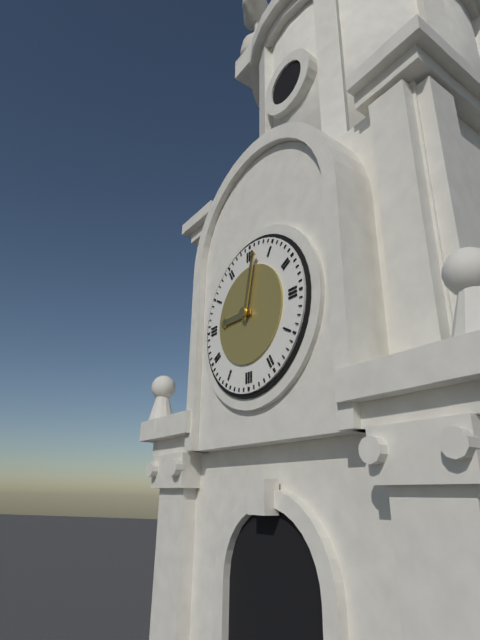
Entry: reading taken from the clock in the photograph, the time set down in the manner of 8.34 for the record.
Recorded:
9.02
